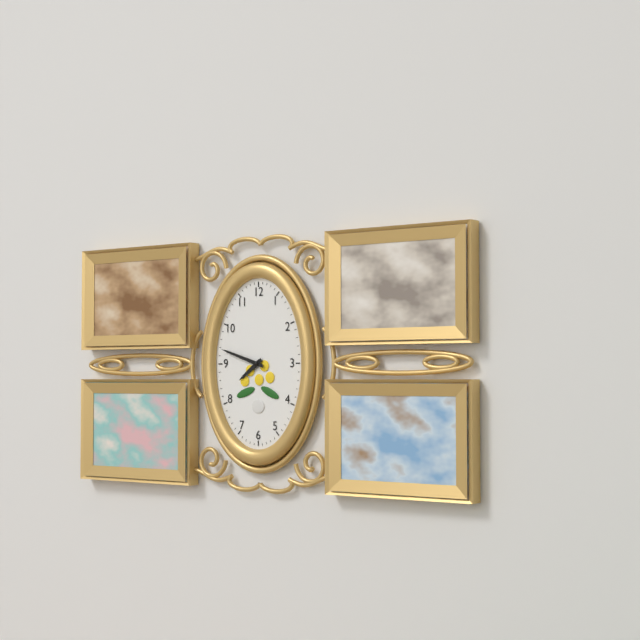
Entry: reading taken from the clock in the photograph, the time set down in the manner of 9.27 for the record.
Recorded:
7.48
